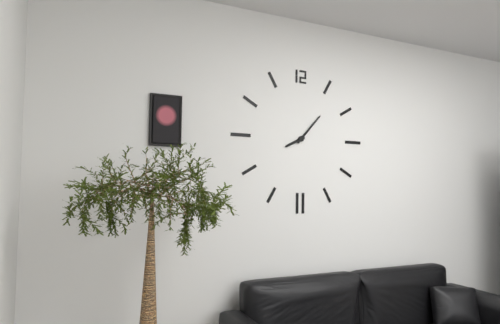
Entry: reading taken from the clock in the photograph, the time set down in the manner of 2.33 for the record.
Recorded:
8.07
